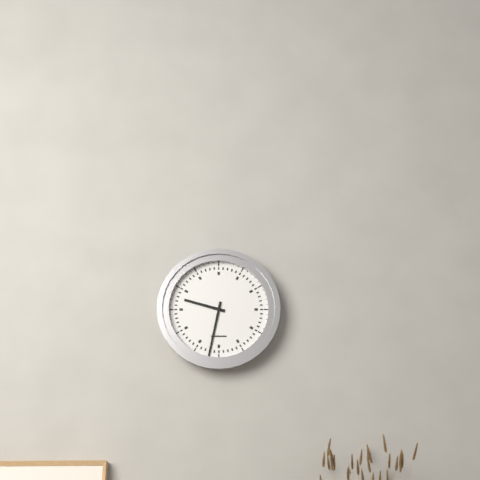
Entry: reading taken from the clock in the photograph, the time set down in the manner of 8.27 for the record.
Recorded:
9.32
